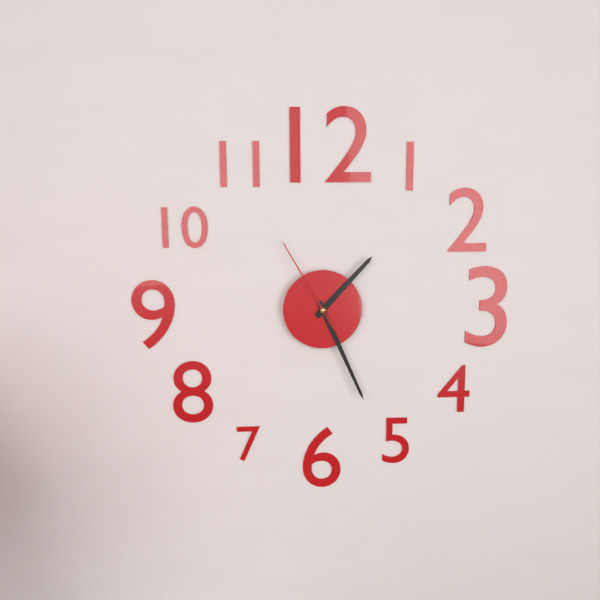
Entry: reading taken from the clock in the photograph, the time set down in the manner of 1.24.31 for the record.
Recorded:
1.26.55
